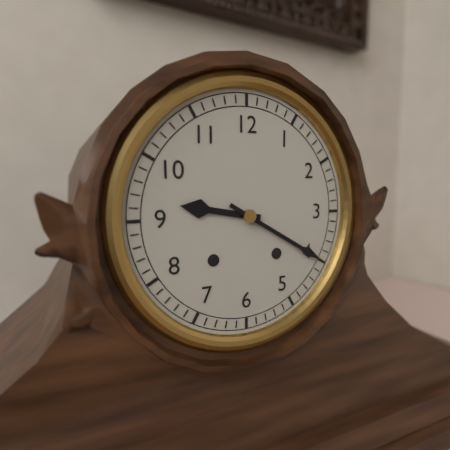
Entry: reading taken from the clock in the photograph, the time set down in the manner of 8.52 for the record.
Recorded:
9.20
